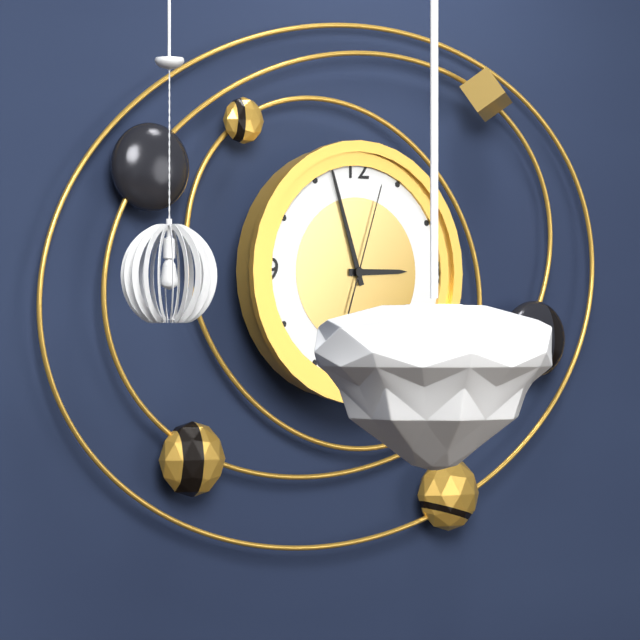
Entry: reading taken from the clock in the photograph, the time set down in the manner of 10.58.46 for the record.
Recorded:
2.57.03
